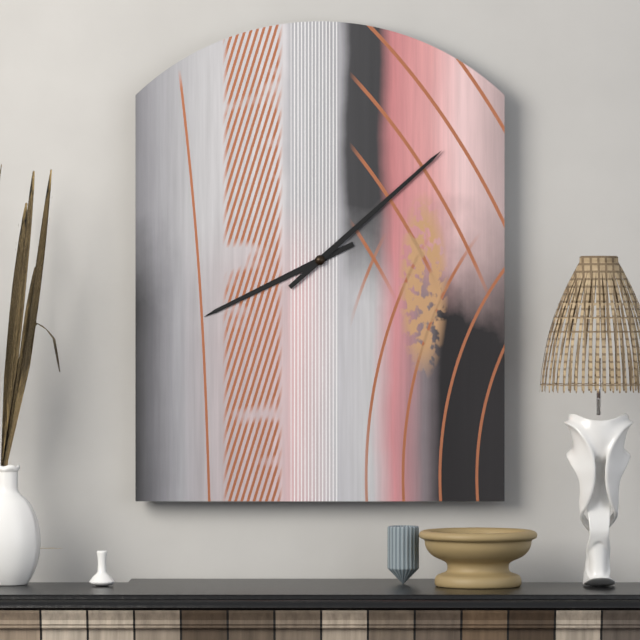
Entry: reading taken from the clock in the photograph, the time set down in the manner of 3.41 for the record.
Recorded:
8.08
